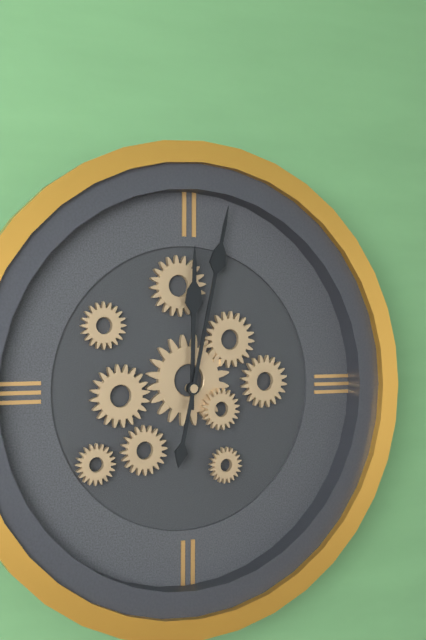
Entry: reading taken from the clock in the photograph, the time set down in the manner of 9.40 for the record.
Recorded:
12.02
